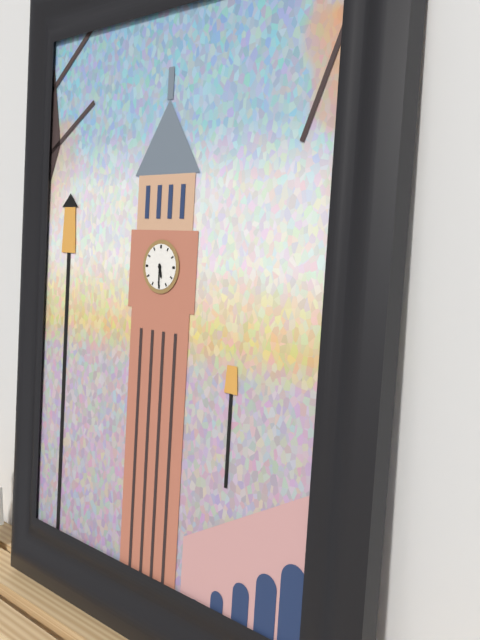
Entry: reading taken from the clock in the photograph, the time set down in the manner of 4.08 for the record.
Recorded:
5.30
